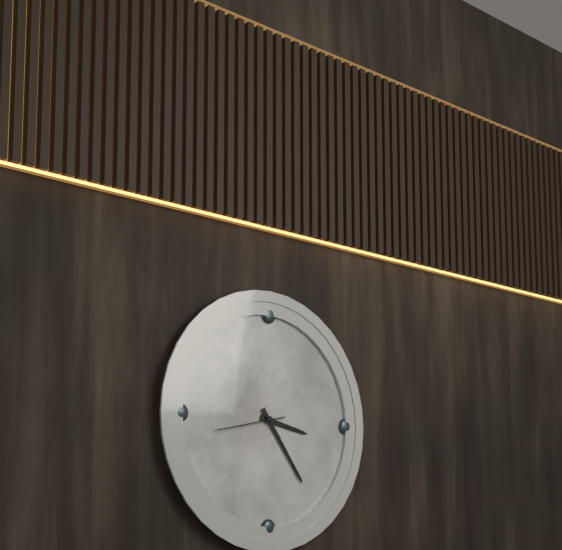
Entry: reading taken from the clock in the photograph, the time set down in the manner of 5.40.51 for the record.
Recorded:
3.24.43
